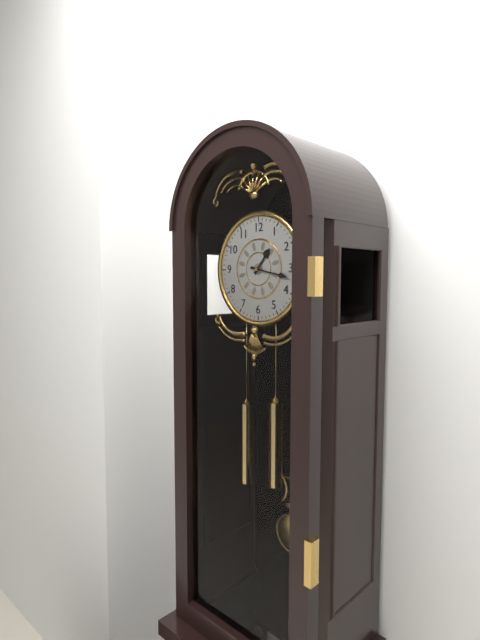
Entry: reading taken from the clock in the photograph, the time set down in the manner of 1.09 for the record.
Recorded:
1.17
